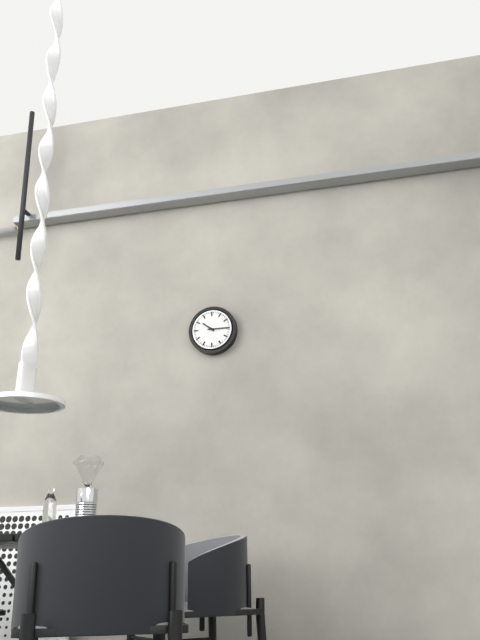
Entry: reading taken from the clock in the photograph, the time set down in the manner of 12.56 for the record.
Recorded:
10.15
